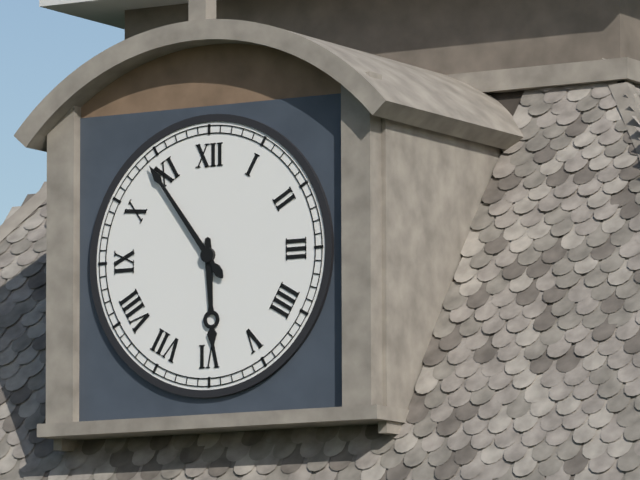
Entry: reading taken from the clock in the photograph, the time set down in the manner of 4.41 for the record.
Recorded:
5.54
